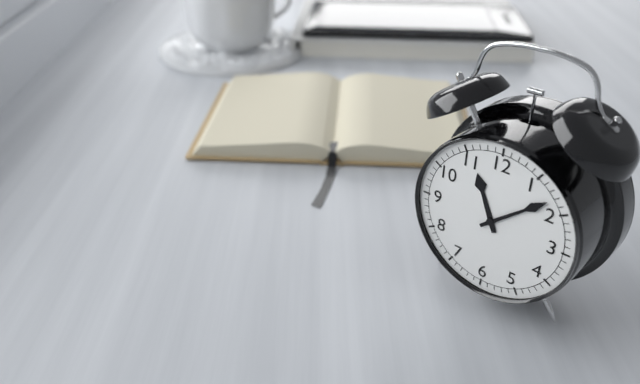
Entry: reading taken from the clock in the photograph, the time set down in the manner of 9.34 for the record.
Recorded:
11.08
